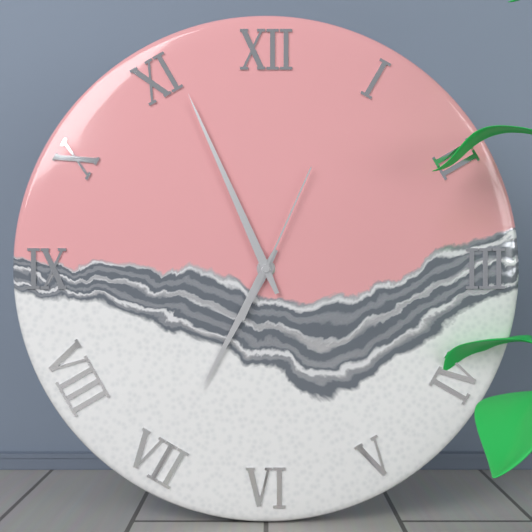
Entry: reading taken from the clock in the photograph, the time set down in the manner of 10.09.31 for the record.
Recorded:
6.56.04
